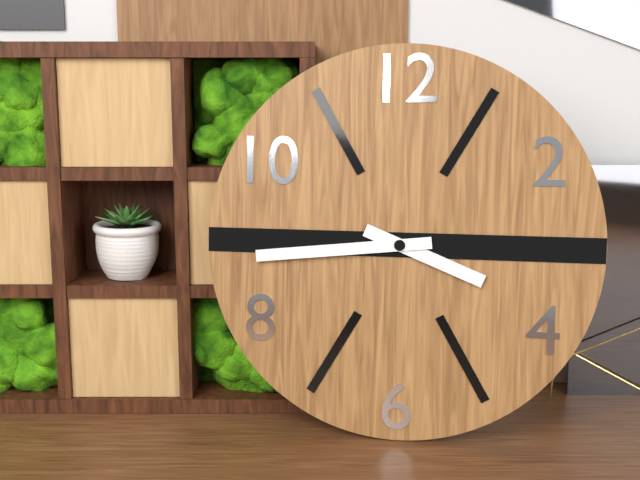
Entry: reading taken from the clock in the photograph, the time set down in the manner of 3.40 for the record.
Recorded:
3.44
